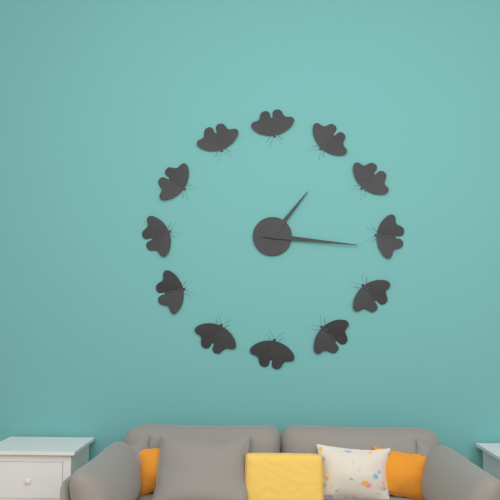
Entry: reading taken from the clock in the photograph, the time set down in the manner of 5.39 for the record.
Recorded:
1.16
